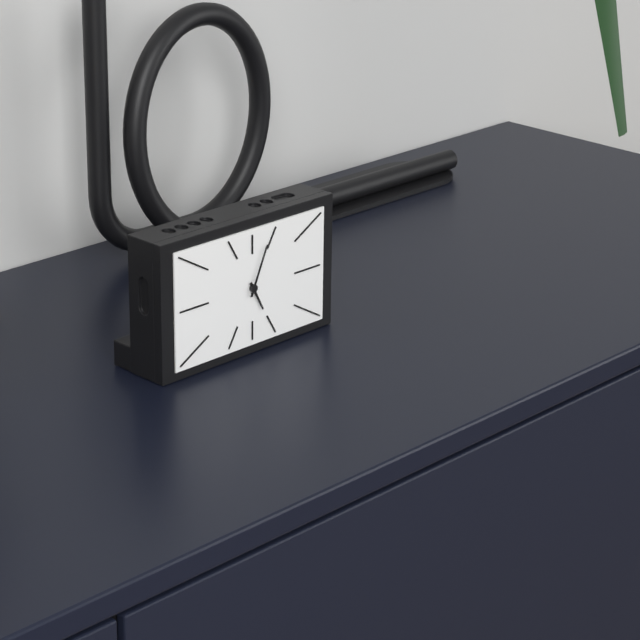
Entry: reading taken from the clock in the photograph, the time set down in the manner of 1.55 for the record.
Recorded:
5.04
